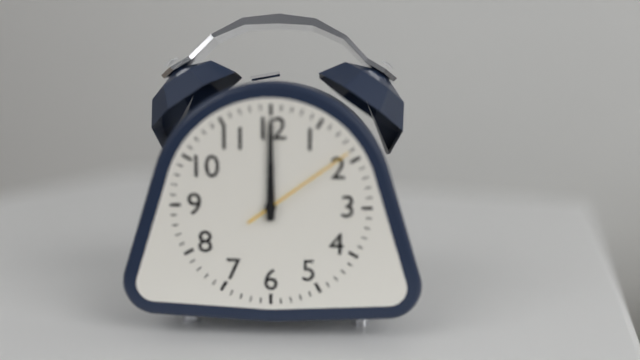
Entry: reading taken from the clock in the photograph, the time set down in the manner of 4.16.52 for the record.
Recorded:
12.00.09
